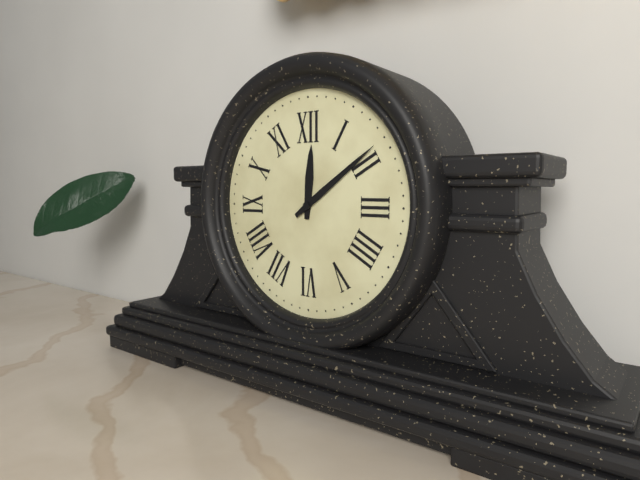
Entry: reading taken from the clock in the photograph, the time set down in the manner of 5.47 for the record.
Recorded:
12.09
